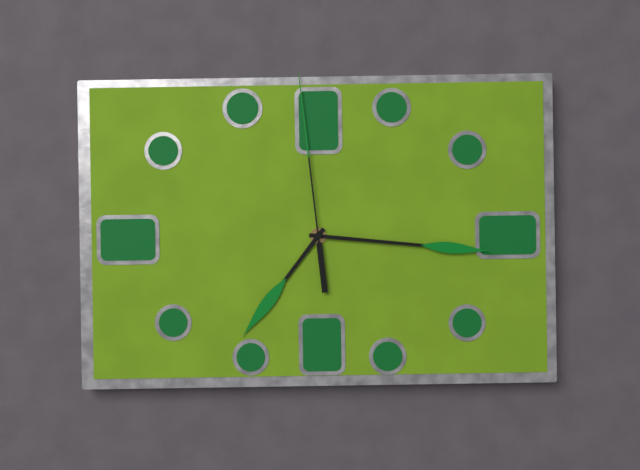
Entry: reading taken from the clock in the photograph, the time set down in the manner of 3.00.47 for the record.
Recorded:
7.16.59
